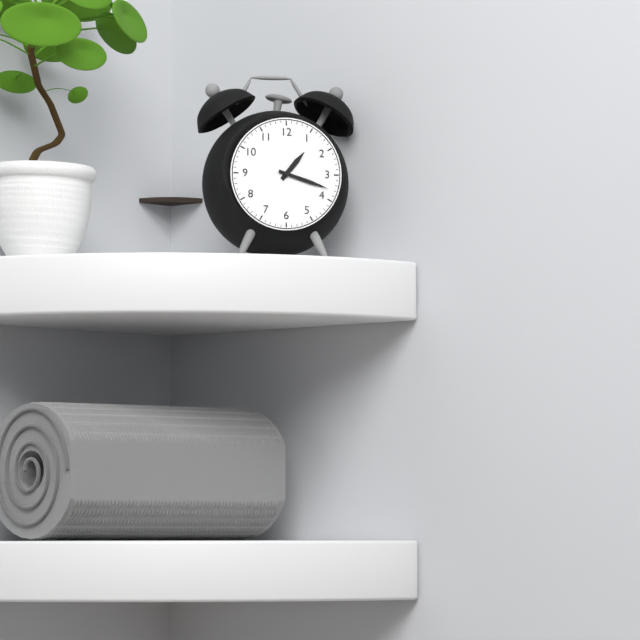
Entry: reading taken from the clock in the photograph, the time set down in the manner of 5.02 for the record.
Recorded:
1.18
